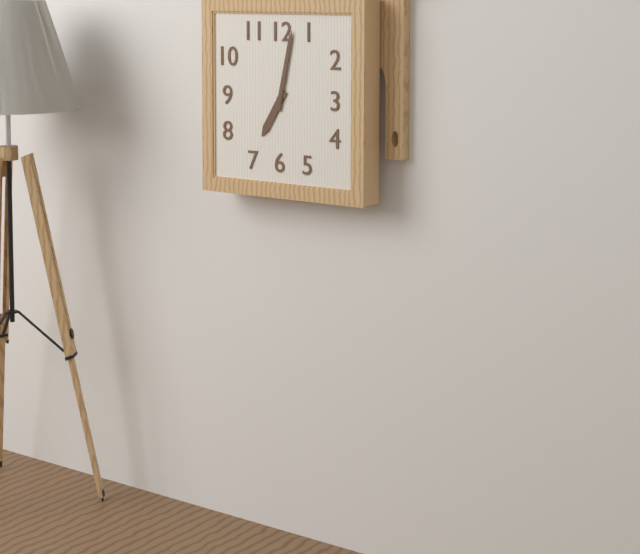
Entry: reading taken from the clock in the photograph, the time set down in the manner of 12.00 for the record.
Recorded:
7.02
